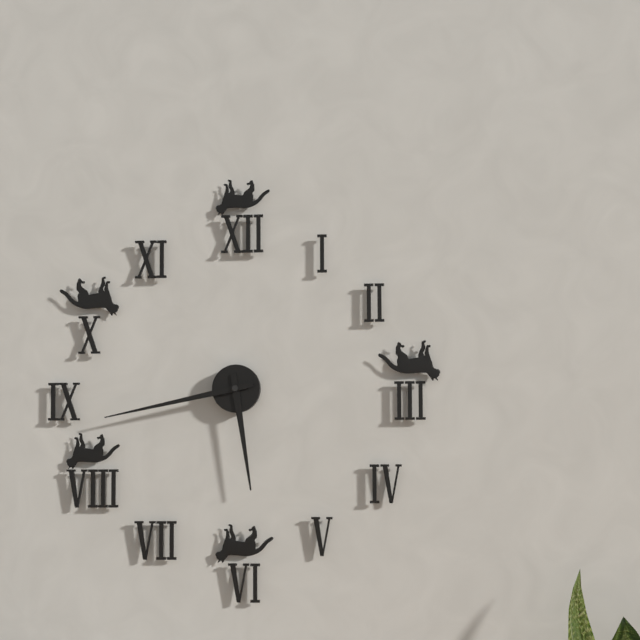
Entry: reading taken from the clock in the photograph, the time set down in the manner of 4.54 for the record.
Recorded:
5.43
